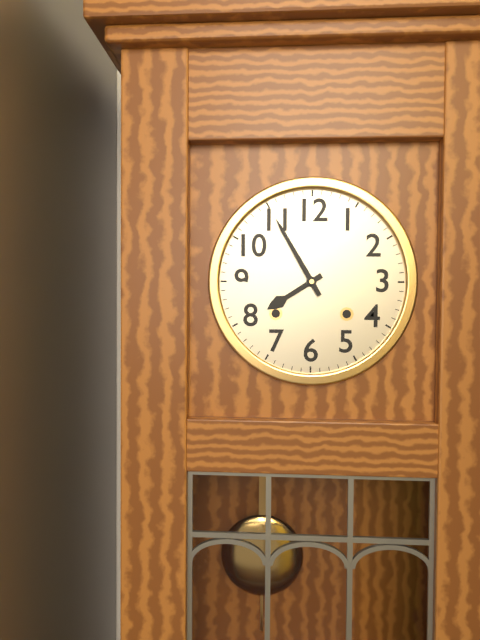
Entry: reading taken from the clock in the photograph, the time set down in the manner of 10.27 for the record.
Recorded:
7.55
